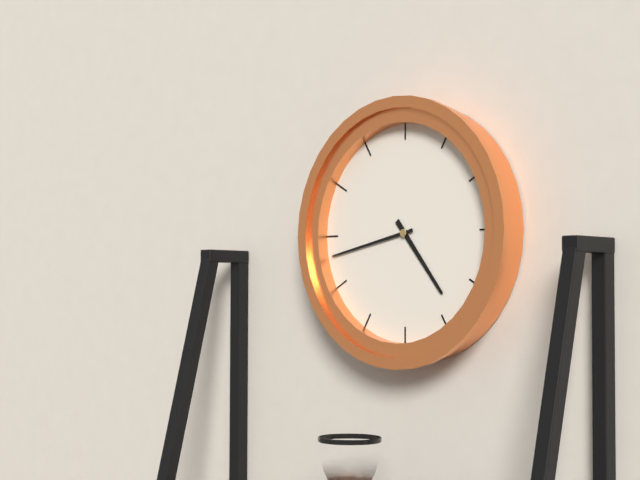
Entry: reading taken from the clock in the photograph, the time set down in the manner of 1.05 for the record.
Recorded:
4.43
